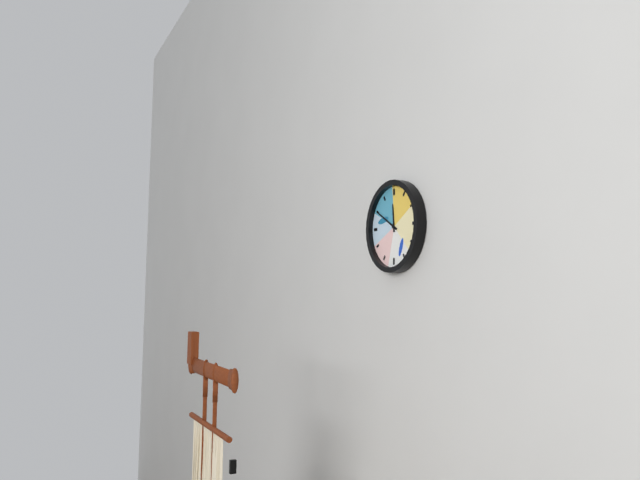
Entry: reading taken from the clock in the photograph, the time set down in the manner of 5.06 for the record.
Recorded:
11.50
